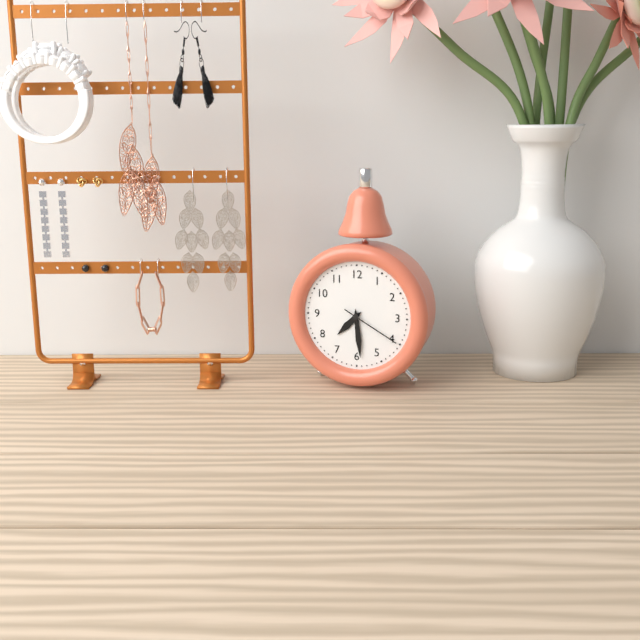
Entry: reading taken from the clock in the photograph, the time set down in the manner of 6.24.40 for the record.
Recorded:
7.29.20
